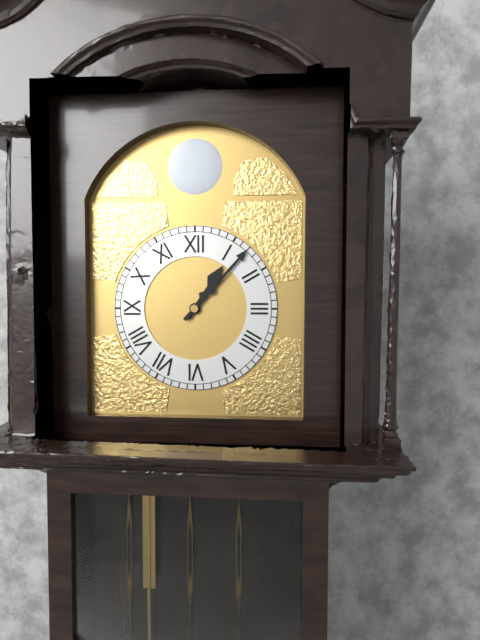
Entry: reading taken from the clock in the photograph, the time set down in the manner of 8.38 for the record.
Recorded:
1.07
